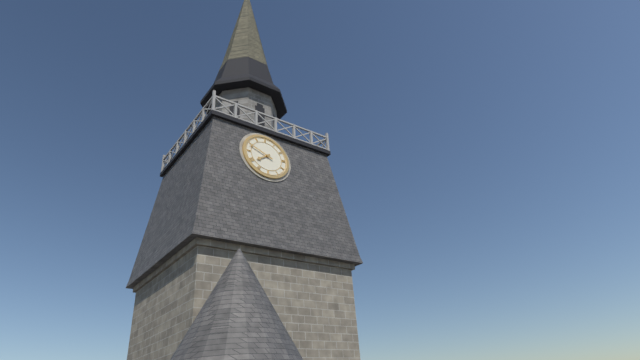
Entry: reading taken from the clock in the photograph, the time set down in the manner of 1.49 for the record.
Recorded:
7.49
